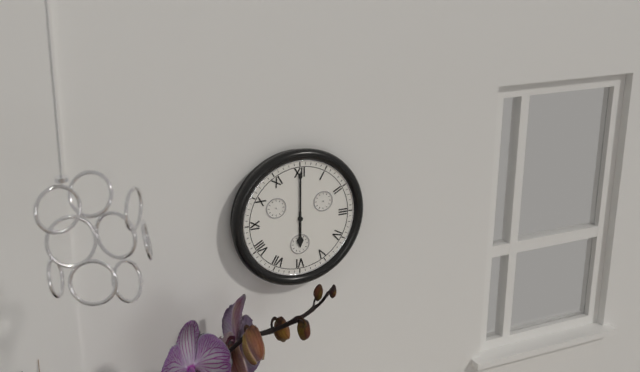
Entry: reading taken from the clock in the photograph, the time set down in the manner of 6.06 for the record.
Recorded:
6.00
